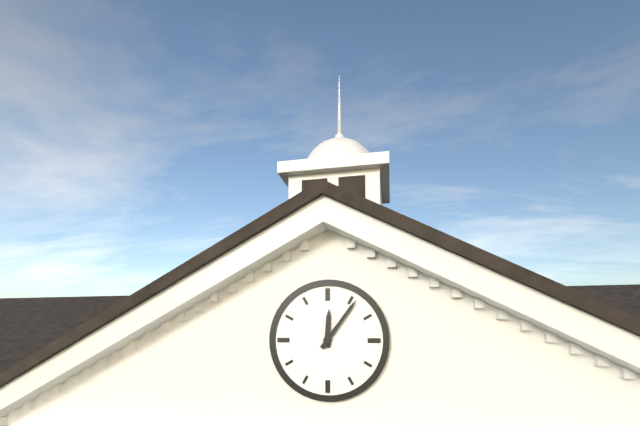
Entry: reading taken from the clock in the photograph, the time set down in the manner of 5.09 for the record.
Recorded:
12.06
